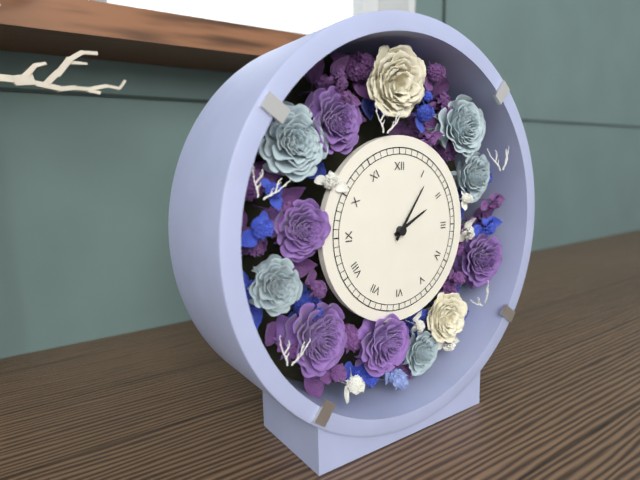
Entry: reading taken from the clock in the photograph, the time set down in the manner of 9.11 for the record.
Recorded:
2.06
